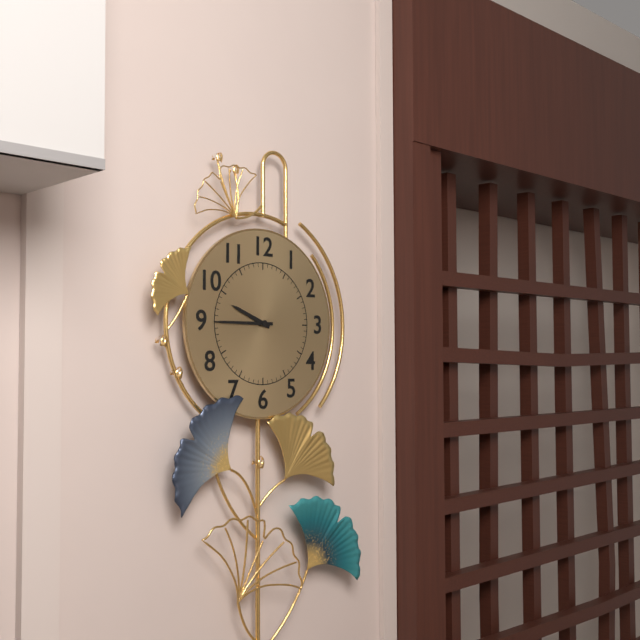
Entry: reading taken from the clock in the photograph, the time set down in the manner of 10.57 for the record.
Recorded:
9.45
